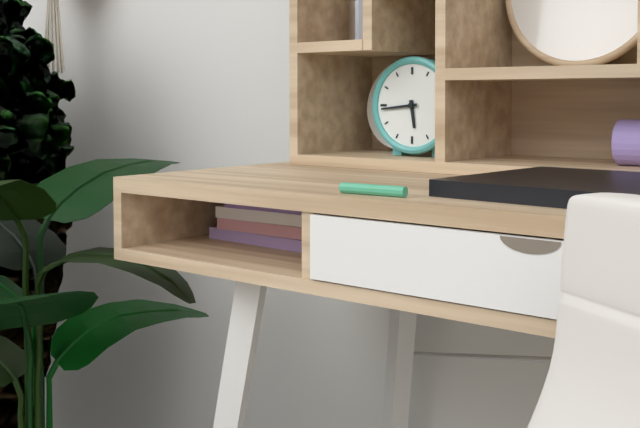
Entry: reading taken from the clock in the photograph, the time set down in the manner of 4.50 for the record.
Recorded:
5.44
